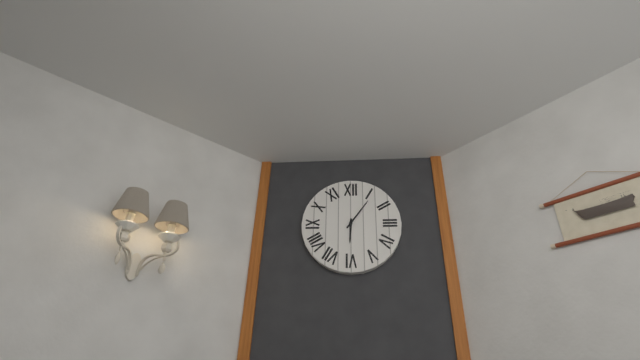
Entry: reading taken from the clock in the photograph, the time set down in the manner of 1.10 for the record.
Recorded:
6.06
